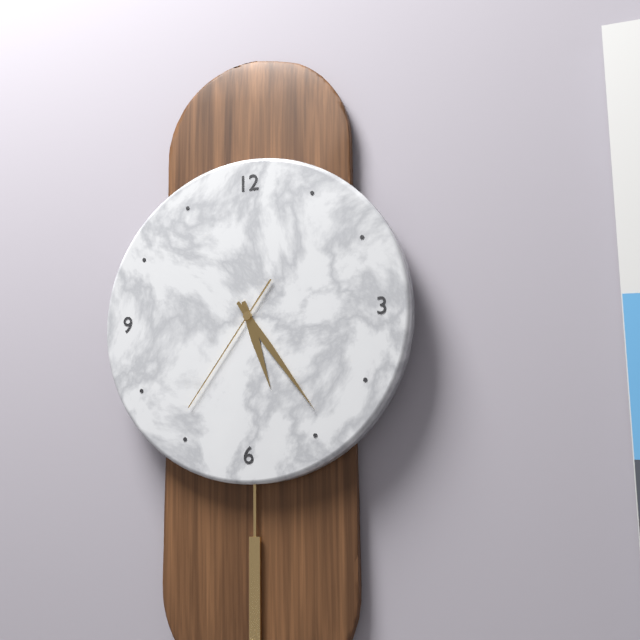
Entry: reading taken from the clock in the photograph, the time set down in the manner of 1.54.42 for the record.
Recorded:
5.24.36
